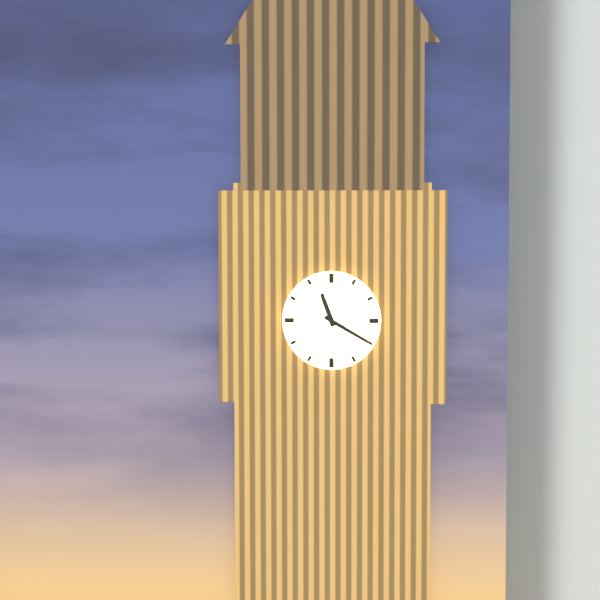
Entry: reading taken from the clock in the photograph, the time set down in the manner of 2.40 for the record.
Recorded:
11.20
